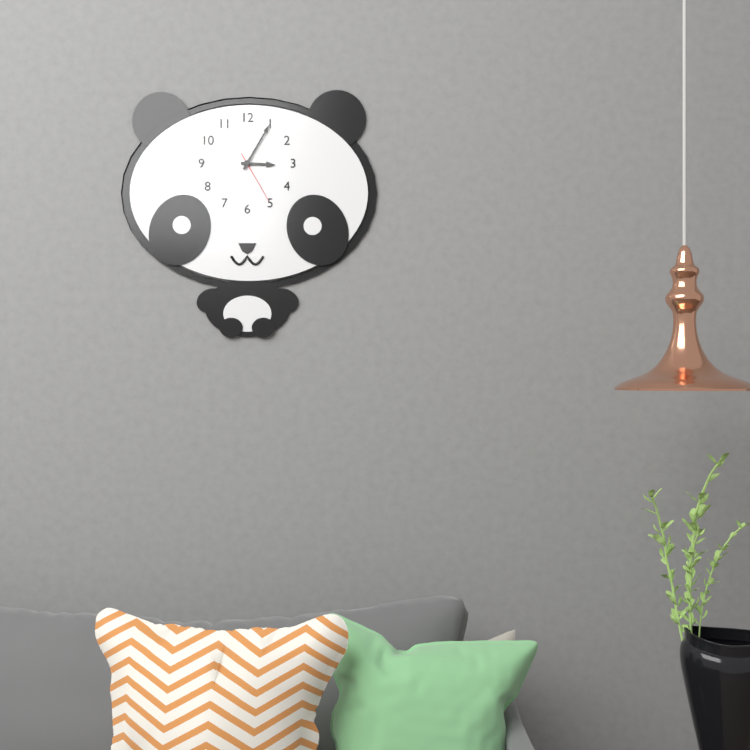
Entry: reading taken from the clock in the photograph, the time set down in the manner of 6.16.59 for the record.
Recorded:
3.05.25
